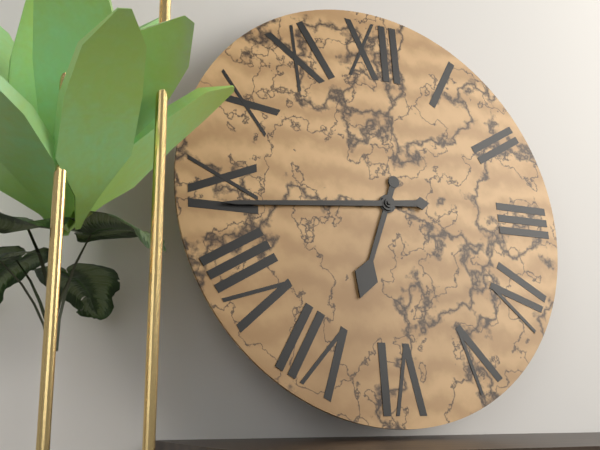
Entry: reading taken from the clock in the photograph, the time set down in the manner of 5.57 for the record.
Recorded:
6.44
